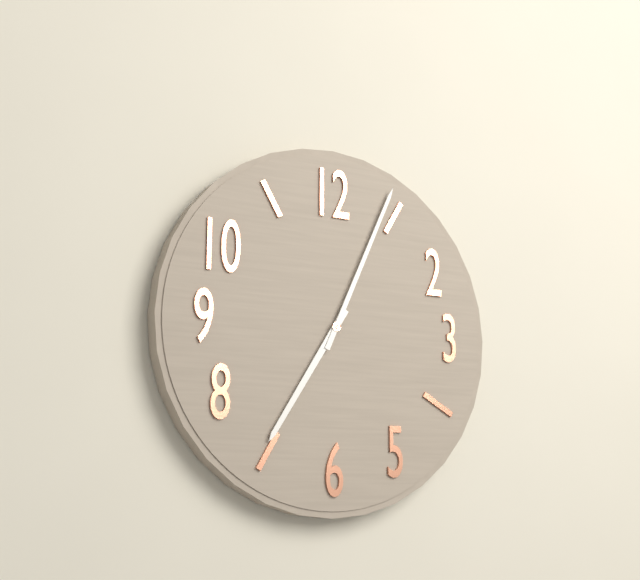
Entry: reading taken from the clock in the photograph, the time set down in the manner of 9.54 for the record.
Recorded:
7.04
